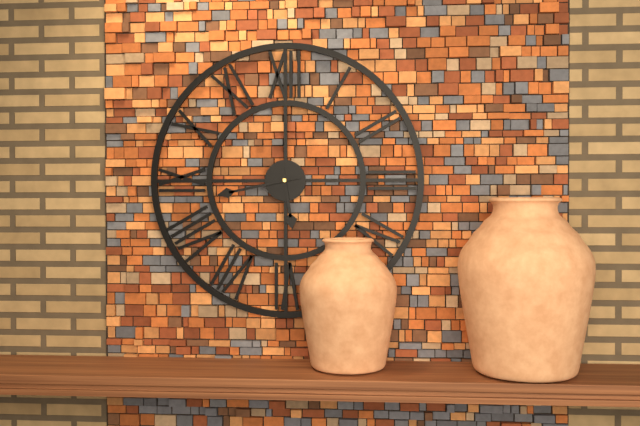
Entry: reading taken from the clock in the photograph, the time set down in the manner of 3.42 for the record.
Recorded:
5.43
